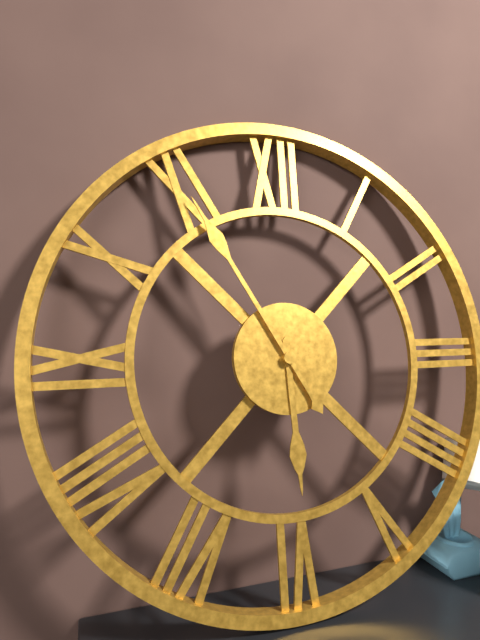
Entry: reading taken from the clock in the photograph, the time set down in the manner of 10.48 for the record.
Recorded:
5.55
